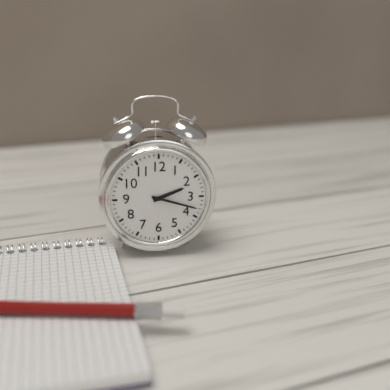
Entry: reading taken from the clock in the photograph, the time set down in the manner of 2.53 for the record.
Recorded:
2.18
